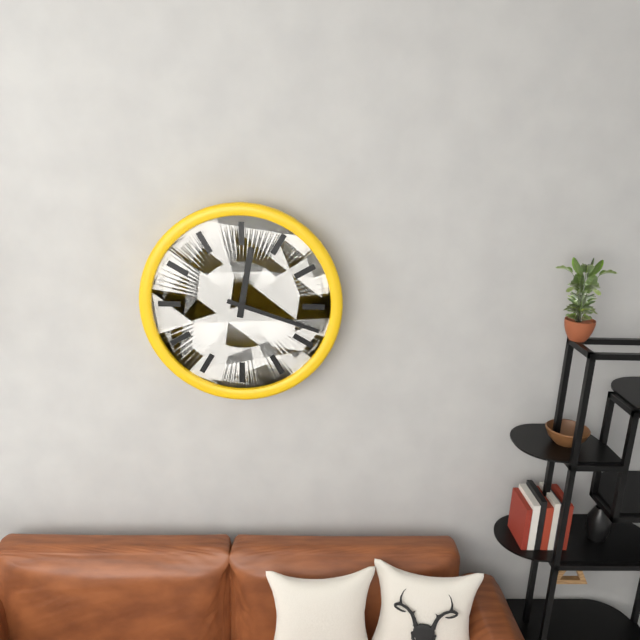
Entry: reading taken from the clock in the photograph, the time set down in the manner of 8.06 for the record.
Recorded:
12.18
